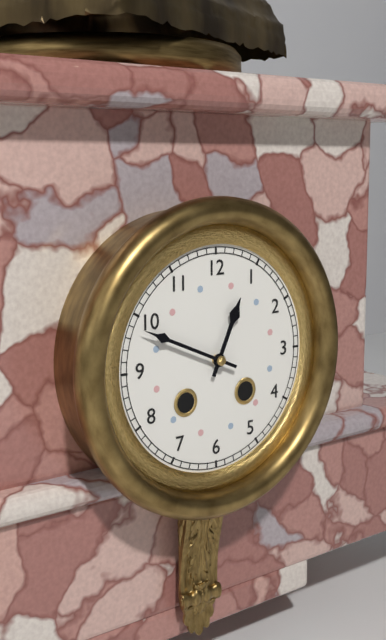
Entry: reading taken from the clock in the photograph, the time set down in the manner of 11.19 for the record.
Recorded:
12.49
